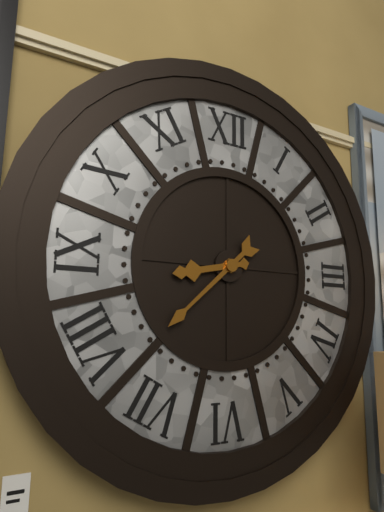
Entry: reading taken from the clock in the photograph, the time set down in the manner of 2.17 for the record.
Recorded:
8.38
